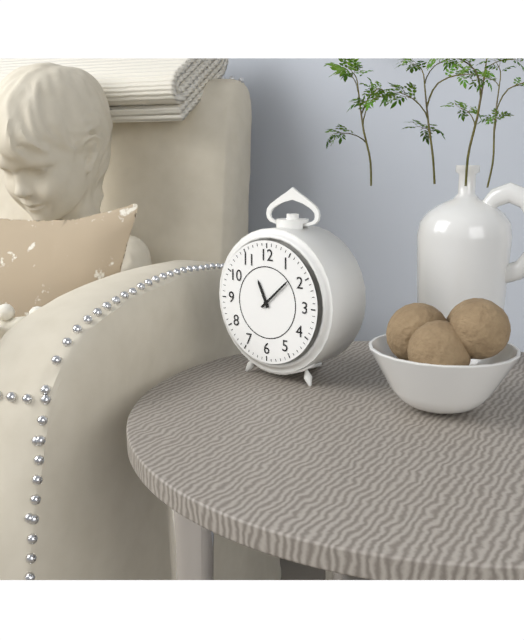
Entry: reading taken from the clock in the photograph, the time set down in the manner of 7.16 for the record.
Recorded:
11.08
